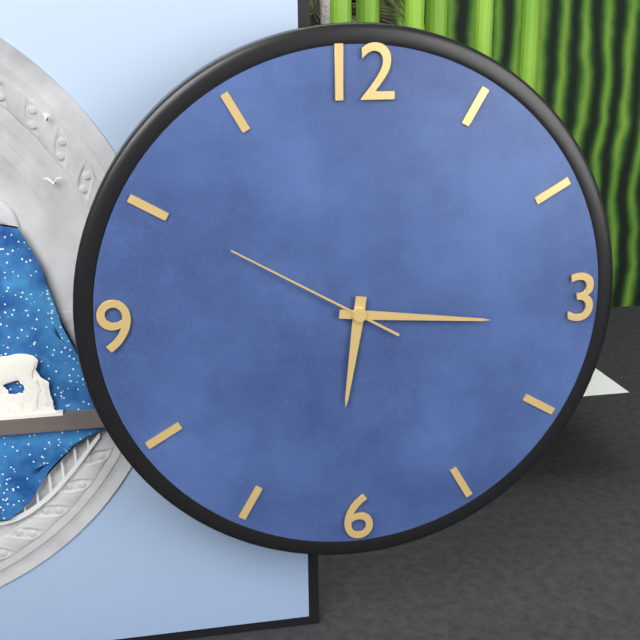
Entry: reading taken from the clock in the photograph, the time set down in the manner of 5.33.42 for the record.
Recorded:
6.16.50
